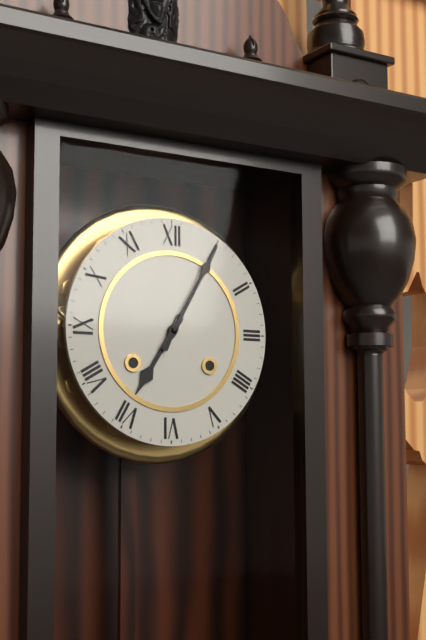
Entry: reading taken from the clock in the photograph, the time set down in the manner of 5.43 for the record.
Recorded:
7.05
